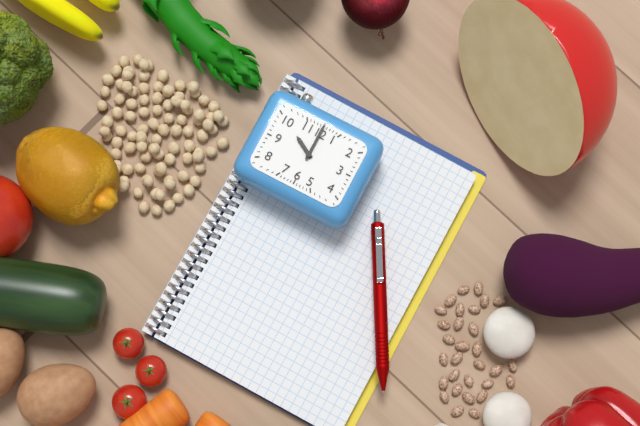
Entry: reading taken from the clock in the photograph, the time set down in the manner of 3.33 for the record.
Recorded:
10.00
